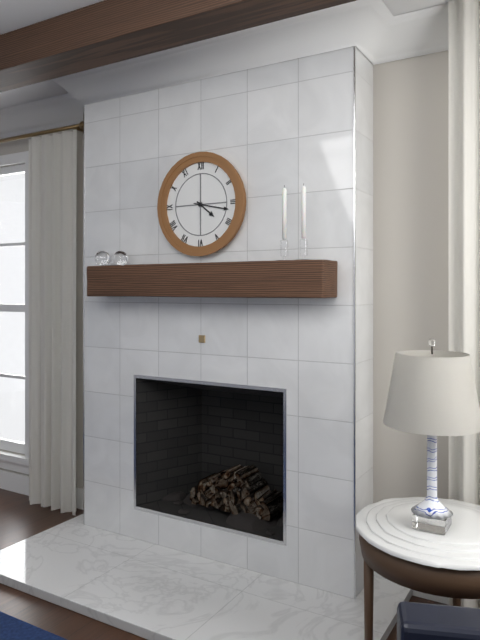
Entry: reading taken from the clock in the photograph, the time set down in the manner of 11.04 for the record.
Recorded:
4.17
